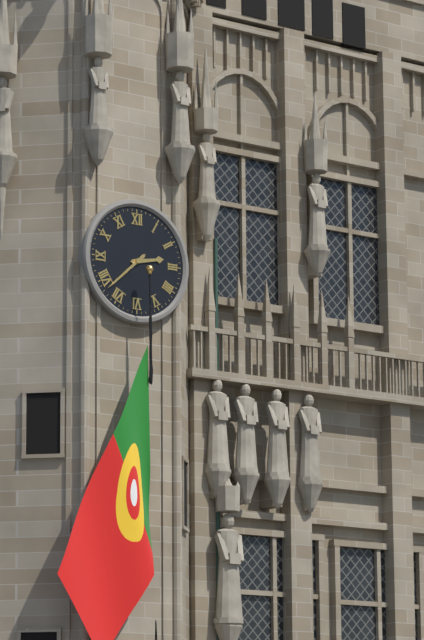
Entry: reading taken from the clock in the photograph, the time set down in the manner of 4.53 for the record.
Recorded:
2.38
